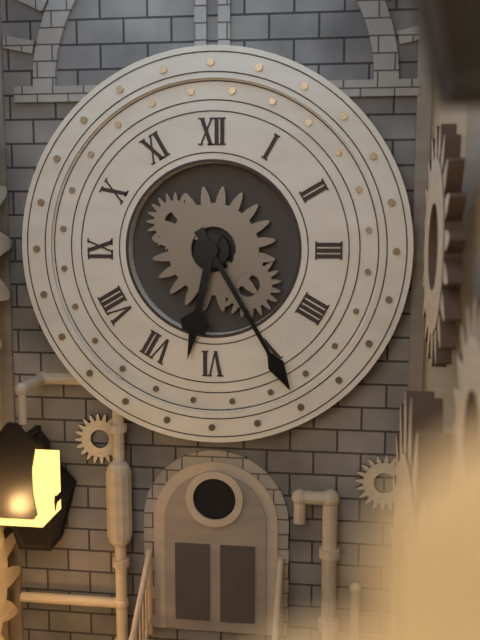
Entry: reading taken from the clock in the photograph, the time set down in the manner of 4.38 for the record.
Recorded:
6.25
